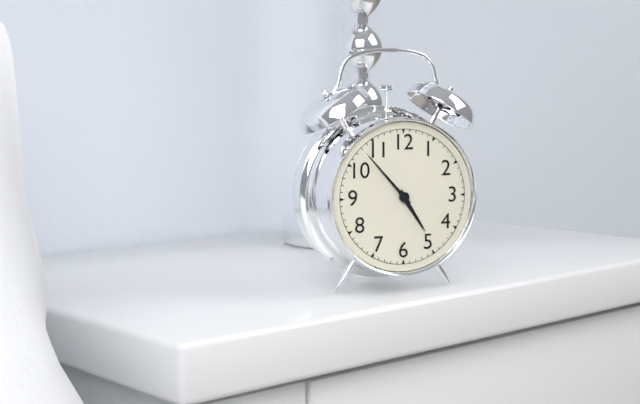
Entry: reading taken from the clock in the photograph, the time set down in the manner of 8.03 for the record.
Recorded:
4.53
